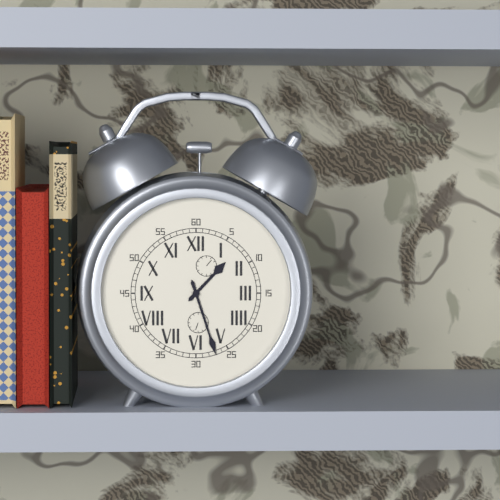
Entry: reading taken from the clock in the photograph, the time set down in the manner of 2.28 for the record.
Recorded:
1.27
